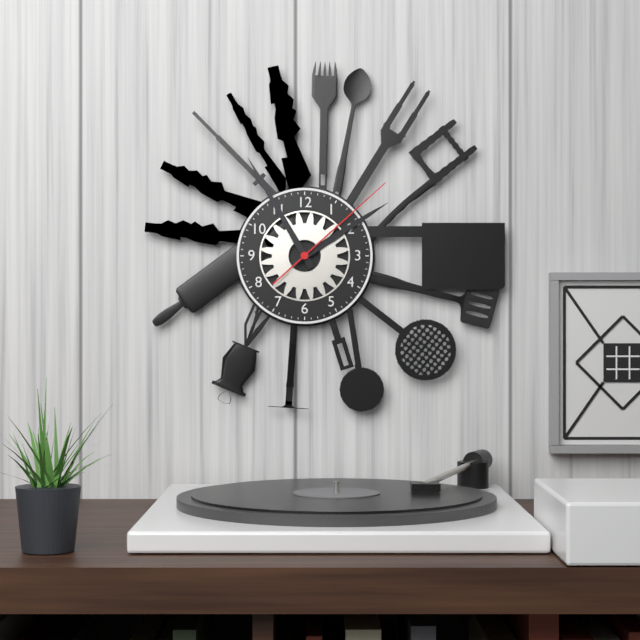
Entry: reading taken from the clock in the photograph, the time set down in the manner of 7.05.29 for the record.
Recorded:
1.55.08
